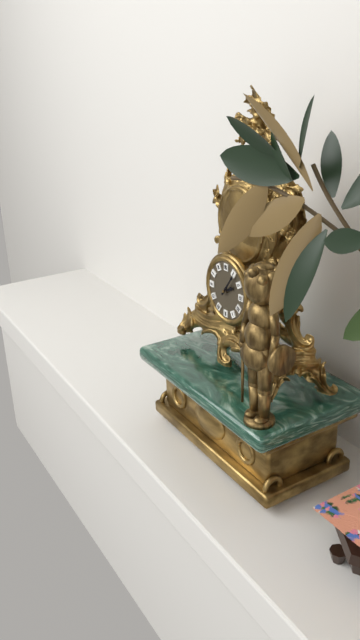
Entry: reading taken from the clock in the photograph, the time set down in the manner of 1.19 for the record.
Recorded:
2.06
